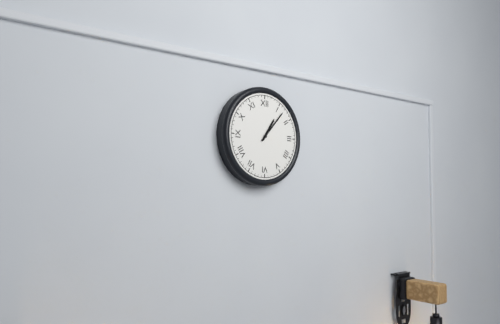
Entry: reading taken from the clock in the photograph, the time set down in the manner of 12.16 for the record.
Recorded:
1.07
